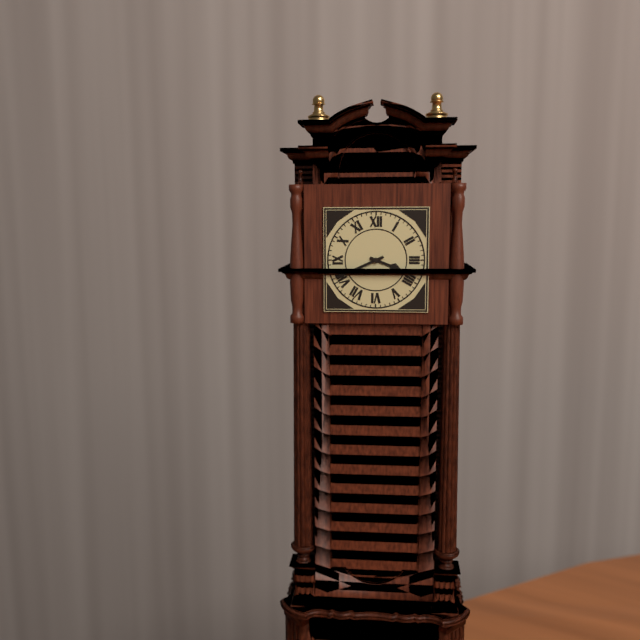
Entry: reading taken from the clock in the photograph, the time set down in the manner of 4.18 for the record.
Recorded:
3.41
